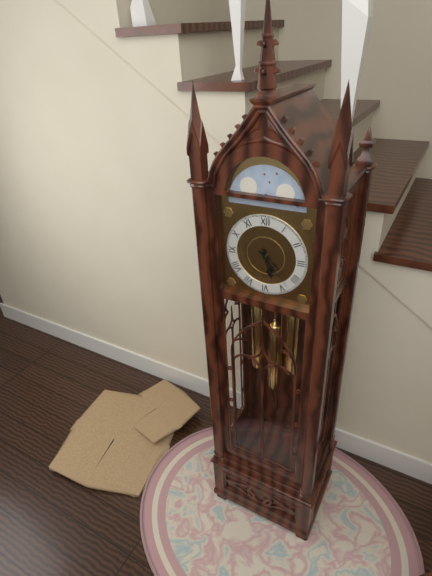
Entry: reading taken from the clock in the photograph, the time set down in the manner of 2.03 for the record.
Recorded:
5.23
